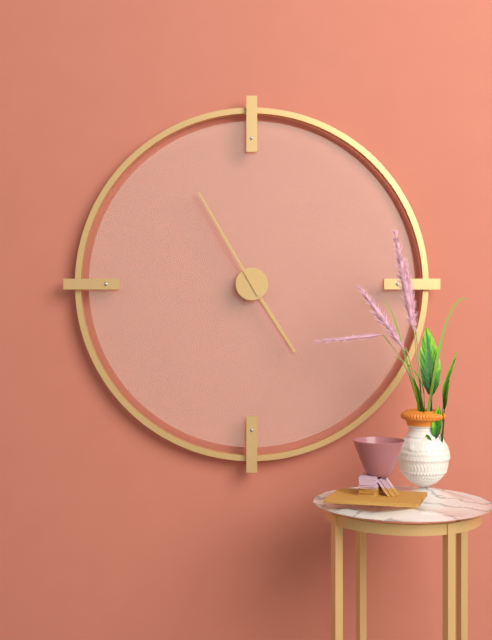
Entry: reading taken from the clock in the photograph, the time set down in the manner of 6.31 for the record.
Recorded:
4.55
